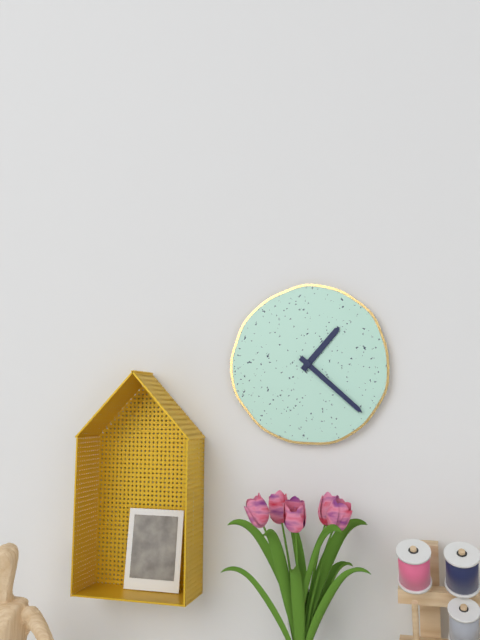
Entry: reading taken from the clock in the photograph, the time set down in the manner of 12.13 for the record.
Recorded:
1.22
